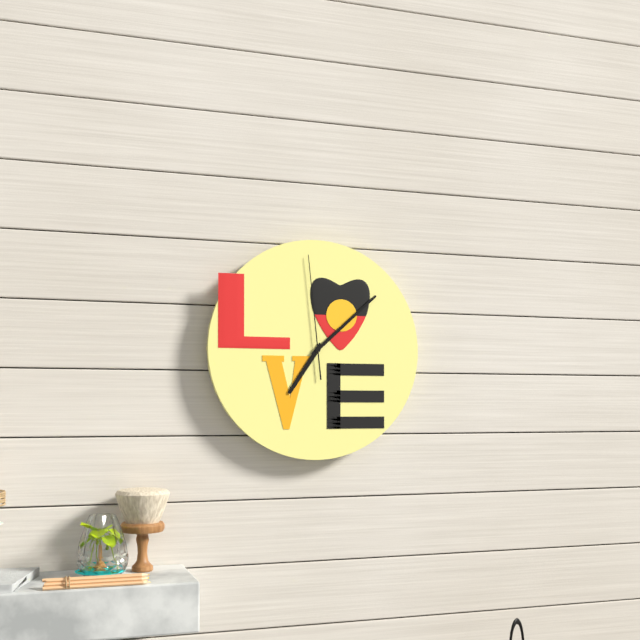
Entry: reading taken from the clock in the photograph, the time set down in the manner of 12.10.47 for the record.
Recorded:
7.08.59
